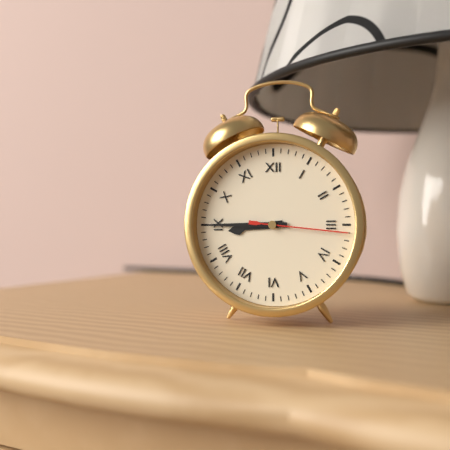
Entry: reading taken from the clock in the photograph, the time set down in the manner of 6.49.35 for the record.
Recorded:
8.45.16
